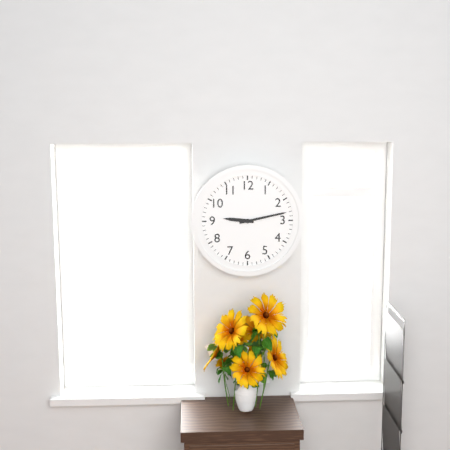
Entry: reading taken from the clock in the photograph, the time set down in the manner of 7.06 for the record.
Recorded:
9.13
